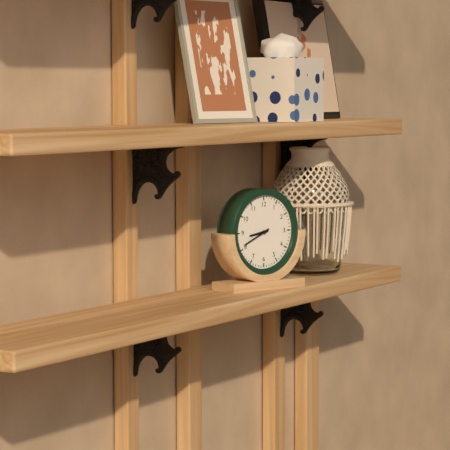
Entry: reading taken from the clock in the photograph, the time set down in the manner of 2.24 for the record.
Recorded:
8.41
